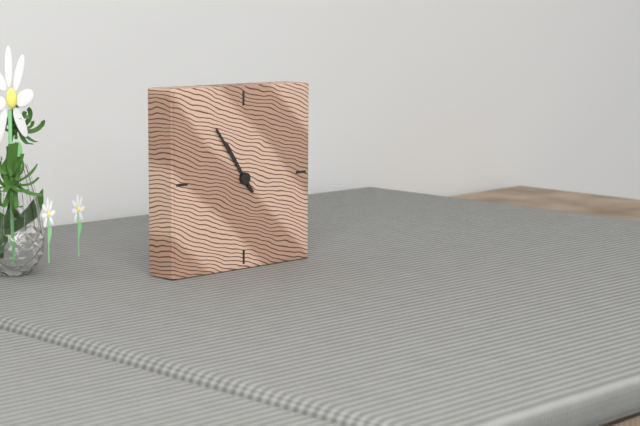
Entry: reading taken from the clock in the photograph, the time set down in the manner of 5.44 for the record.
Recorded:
10.54
